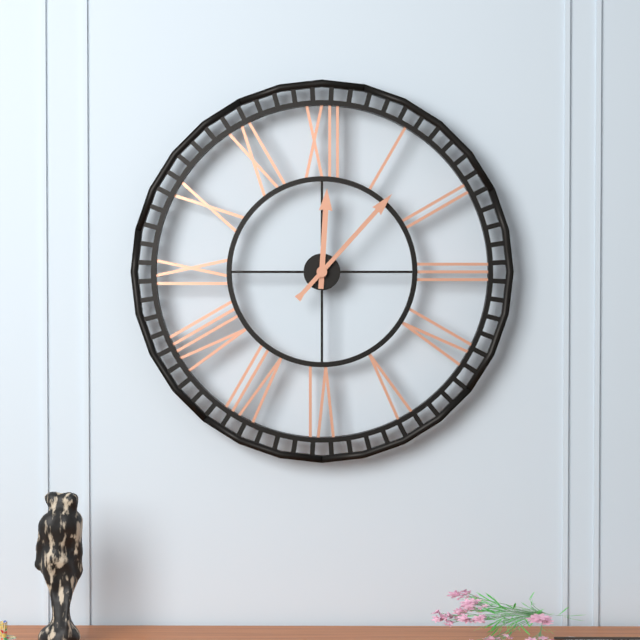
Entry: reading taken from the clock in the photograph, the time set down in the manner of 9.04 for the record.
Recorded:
12.07
